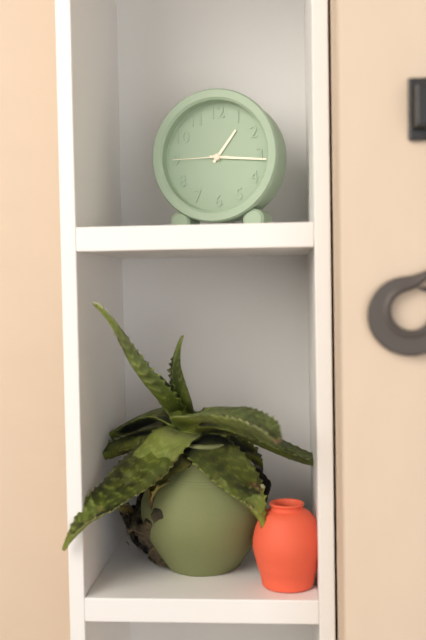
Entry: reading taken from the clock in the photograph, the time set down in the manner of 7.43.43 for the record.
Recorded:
1.16.45
